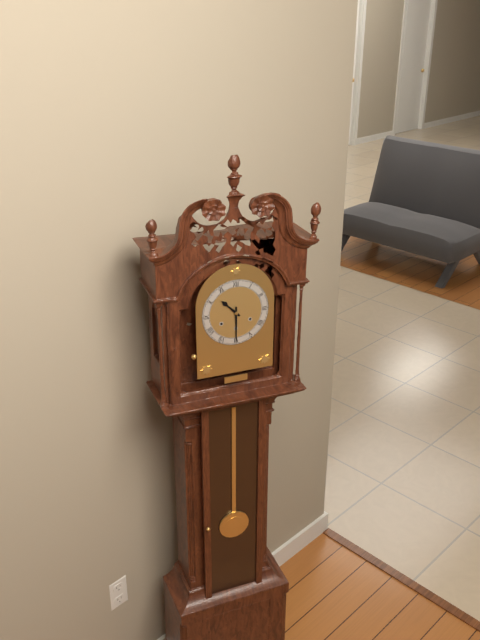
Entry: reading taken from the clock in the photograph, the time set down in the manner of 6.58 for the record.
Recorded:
10.30
